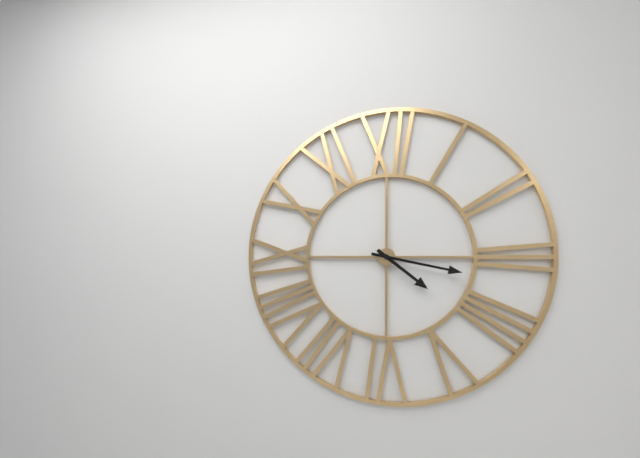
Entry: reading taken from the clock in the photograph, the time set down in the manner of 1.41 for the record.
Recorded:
4.17
